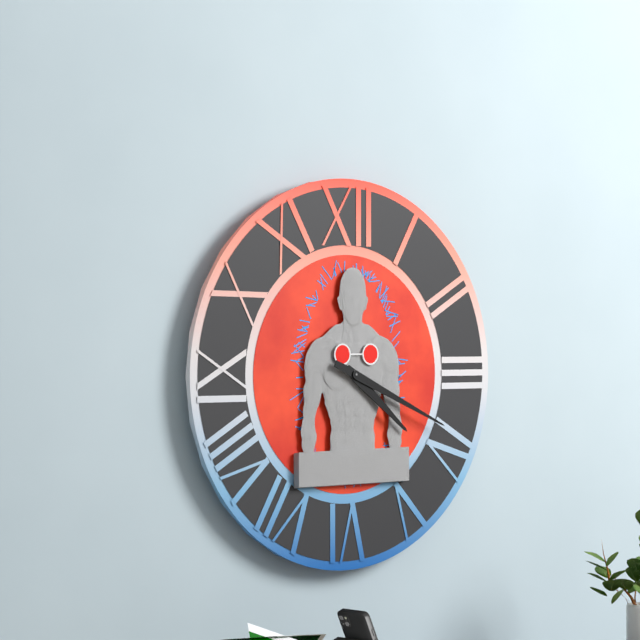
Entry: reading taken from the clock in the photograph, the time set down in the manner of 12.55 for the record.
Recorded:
4.19
